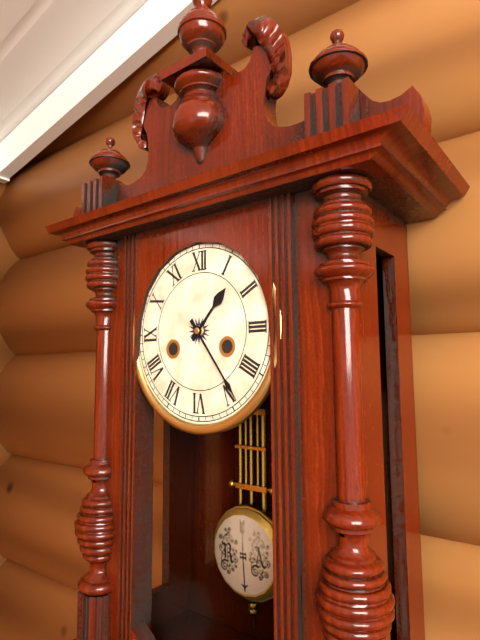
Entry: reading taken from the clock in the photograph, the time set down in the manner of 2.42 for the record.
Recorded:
1.24
